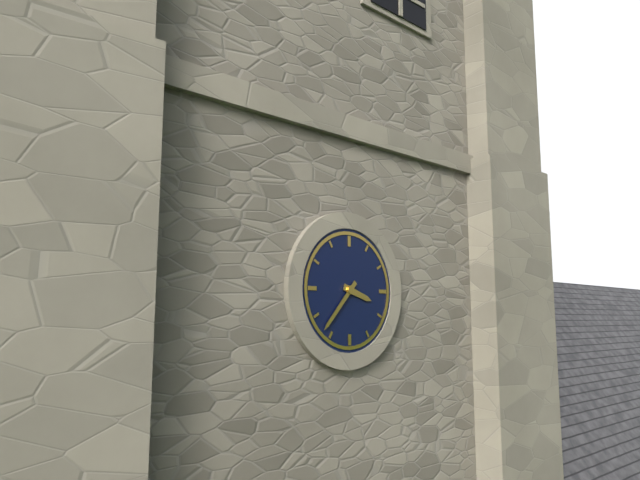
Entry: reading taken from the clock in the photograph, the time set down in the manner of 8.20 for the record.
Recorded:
3.37
